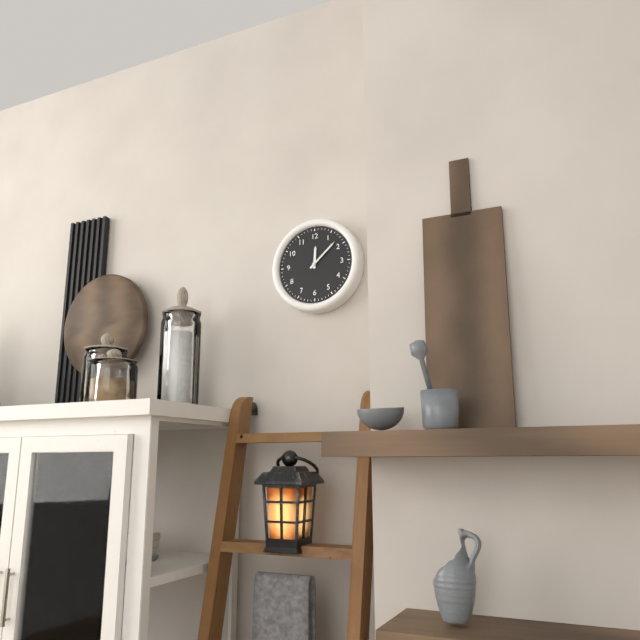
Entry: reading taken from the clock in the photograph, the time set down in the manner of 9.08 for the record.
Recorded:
12.08
